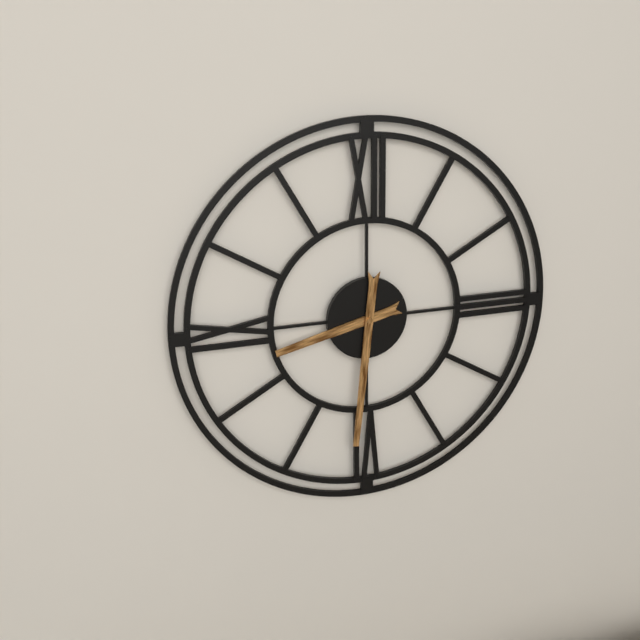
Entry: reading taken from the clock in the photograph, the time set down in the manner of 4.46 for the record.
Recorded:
8.31
